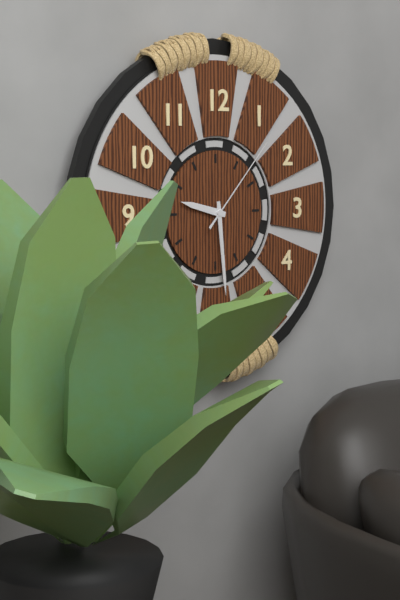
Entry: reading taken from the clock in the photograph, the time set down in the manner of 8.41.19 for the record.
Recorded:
9.29.07
